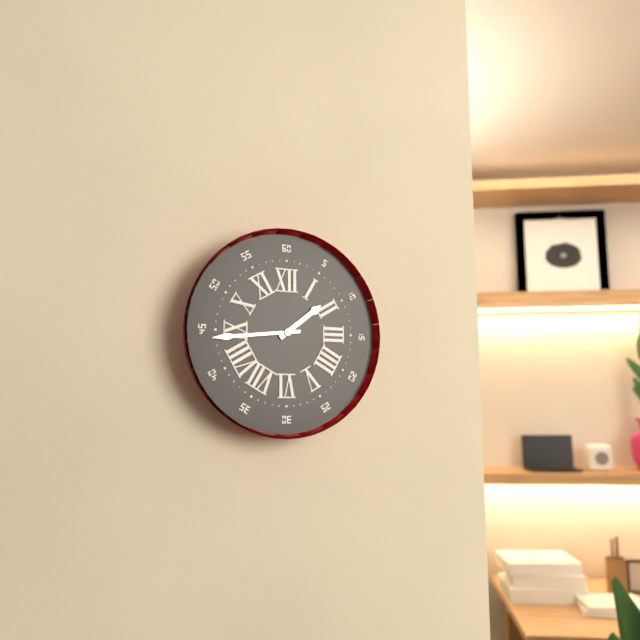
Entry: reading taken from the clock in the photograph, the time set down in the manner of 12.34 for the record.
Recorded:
1.44
